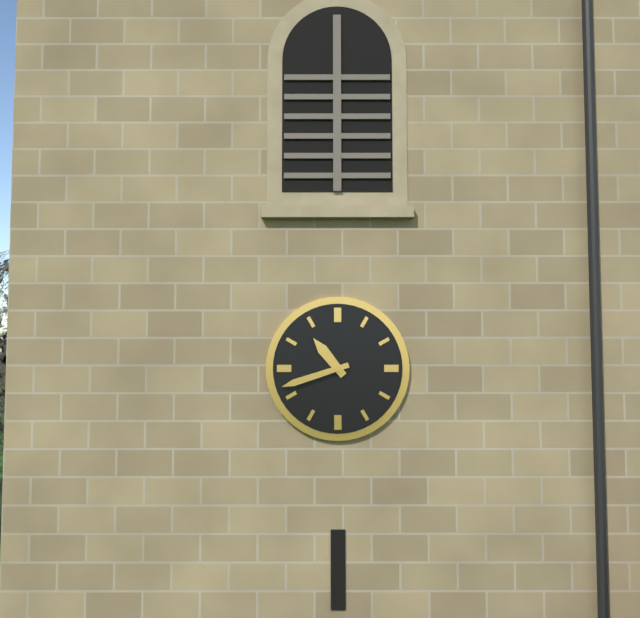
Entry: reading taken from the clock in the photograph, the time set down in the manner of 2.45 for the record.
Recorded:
10.42
